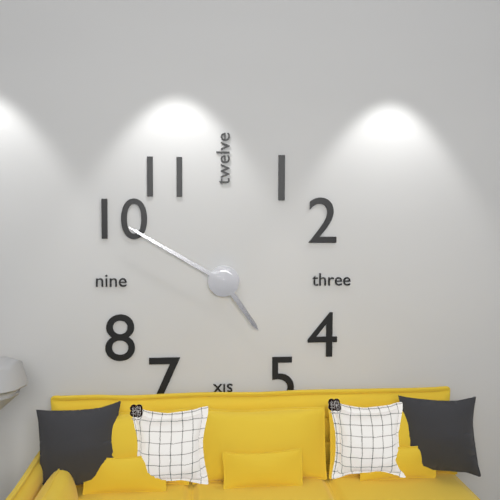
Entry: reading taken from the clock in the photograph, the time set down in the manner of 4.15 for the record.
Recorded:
4.50
